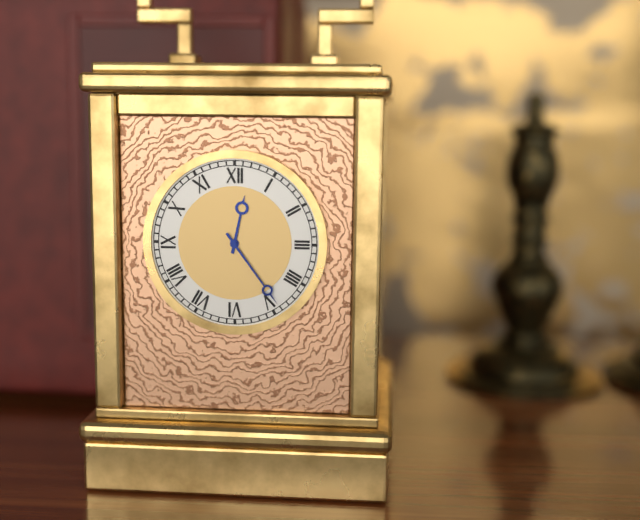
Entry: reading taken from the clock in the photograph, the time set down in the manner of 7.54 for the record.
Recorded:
12.24
